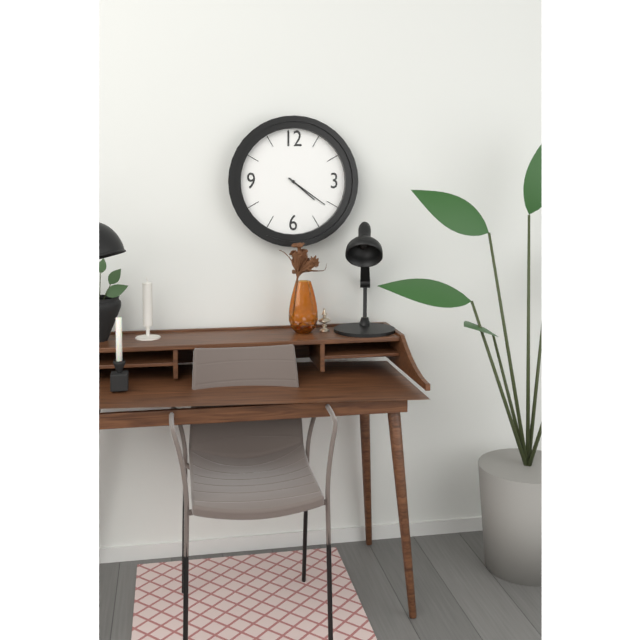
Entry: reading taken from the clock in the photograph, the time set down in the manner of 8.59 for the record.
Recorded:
4.21
